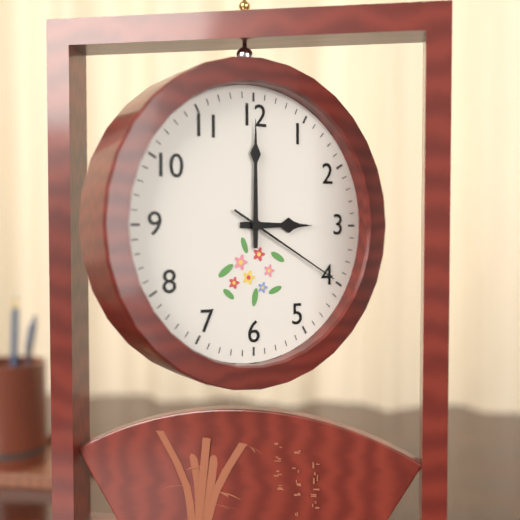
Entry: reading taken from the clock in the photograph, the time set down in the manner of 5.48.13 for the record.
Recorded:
3.00.20
